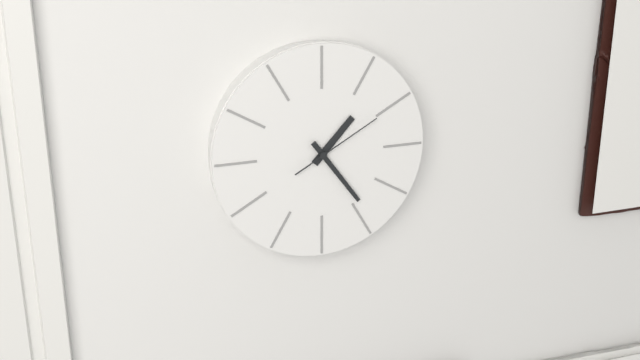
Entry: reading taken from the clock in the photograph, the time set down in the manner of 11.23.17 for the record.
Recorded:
1.24.10
